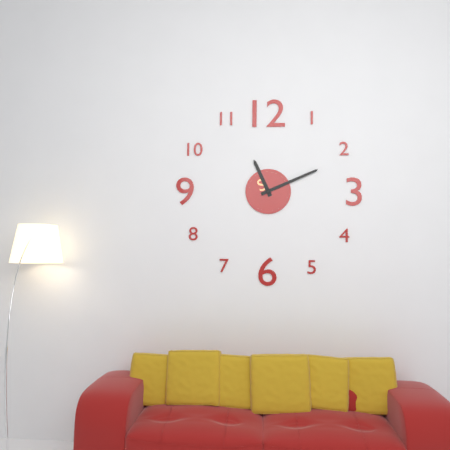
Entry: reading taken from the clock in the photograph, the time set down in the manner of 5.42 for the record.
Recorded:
11.11
